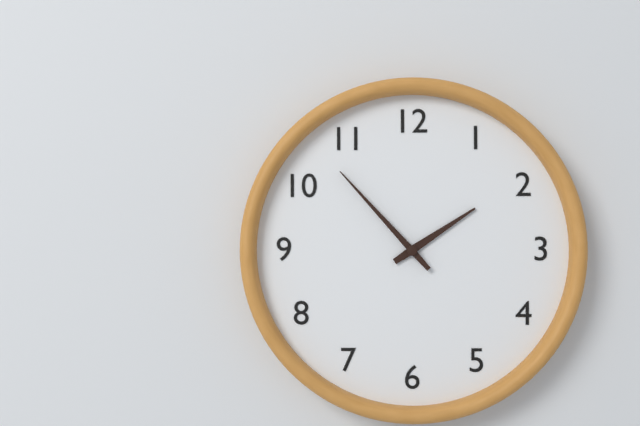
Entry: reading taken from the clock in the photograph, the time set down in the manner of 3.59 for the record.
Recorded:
1.53
